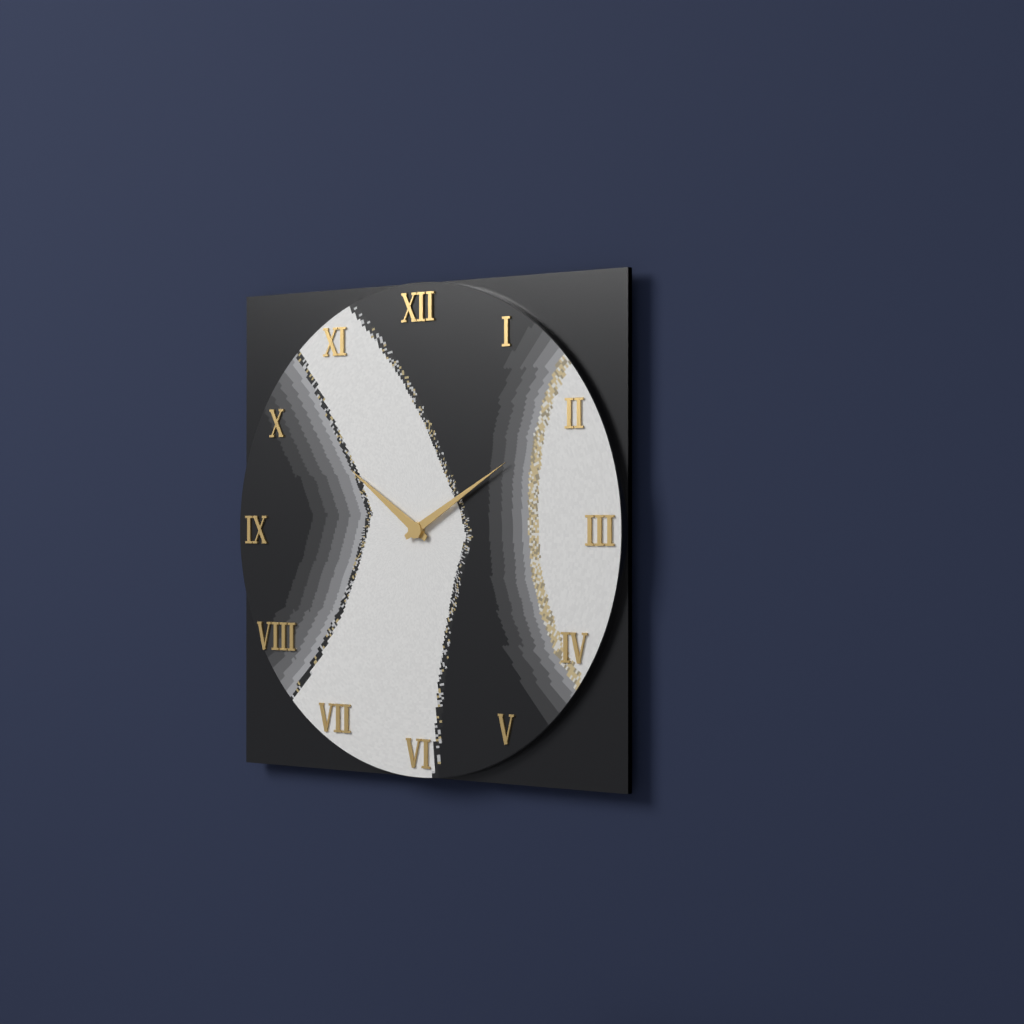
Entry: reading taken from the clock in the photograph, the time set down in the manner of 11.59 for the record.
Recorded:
10.10
